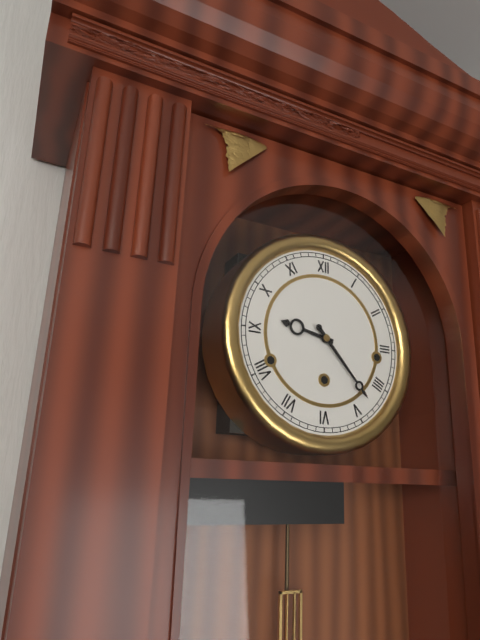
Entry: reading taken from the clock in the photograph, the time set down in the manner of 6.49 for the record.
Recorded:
9.23
